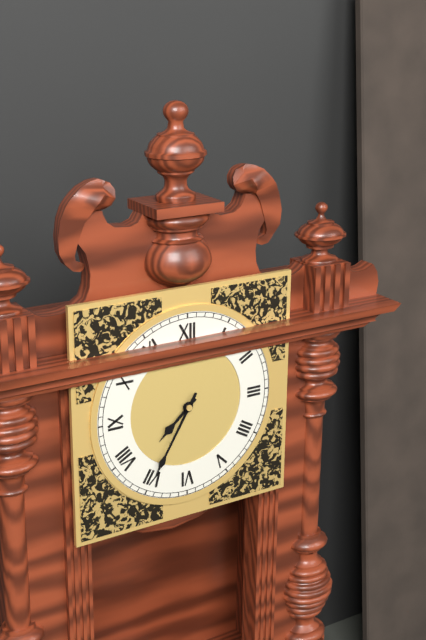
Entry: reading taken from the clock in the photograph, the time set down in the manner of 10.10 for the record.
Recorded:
7.35
